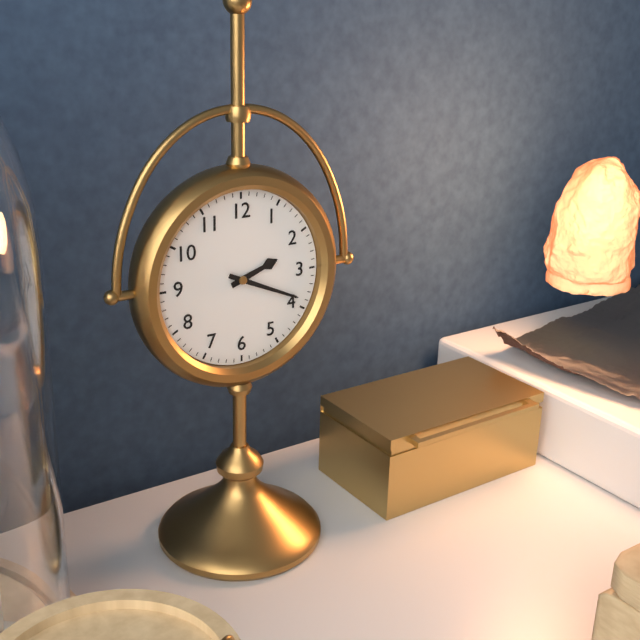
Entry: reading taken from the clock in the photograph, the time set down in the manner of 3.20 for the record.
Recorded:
2.19
